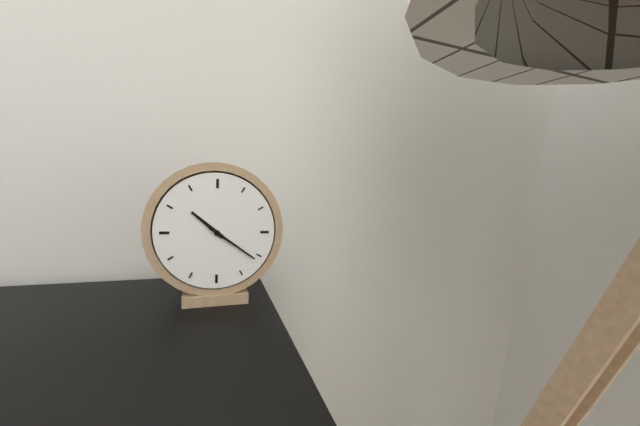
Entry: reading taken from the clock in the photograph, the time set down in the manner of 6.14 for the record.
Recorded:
10.21
